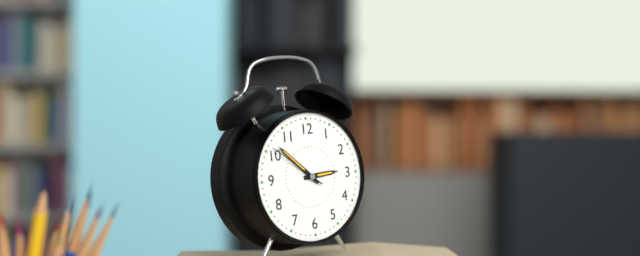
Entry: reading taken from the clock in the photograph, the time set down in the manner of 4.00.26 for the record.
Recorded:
2.52.51
